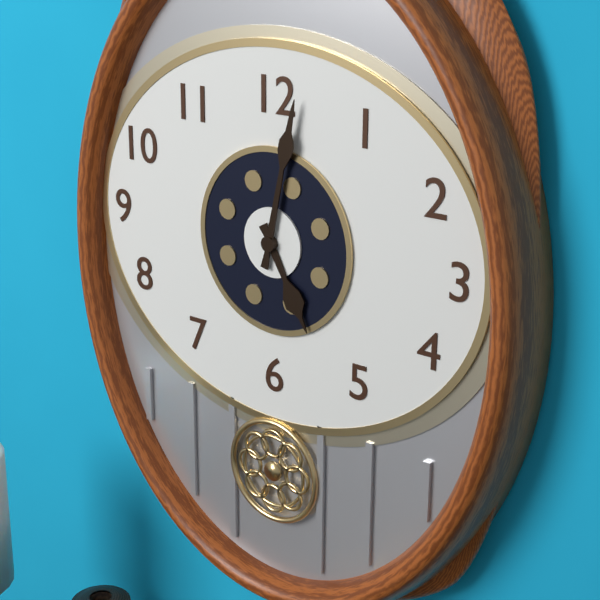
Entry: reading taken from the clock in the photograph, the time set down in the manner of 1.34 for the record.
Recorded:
5.02
